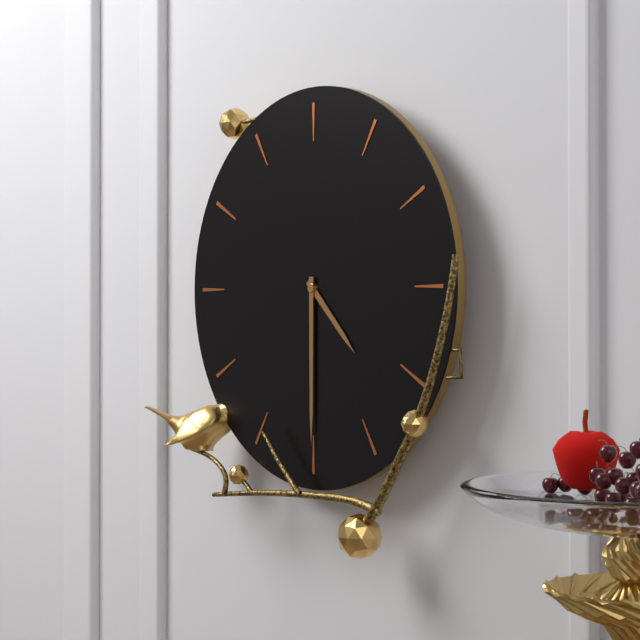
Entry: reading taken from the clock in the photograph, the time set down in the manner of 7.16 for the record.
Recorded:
4.30
